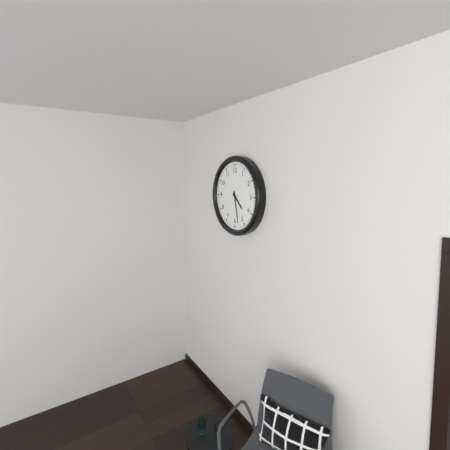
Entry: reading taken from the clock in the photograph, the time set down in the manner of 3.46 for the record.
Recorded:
4.28
